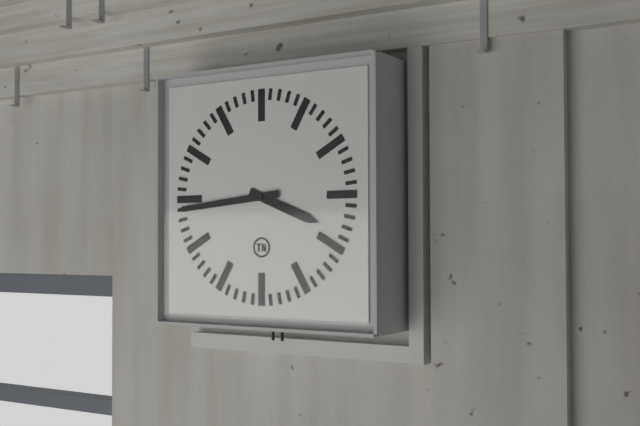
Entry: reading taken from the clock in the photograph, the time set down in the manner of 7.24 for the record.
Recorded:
3.44
